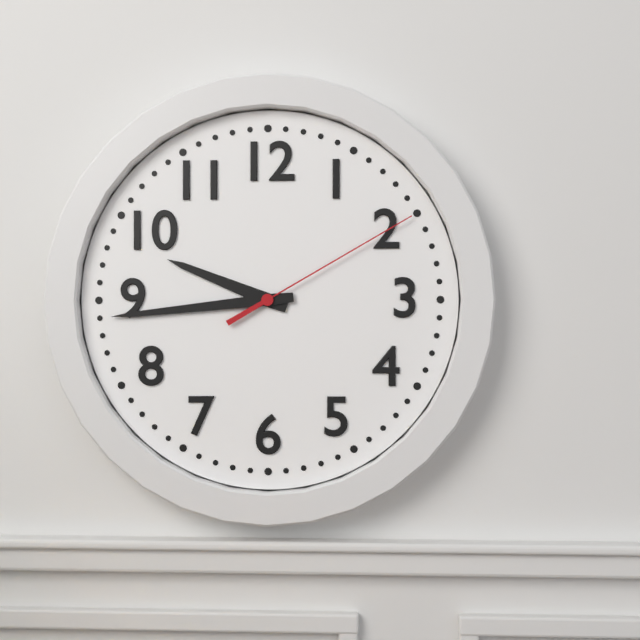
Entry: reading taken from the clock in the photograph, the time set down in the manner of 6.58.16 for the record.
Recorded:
9.44.10
